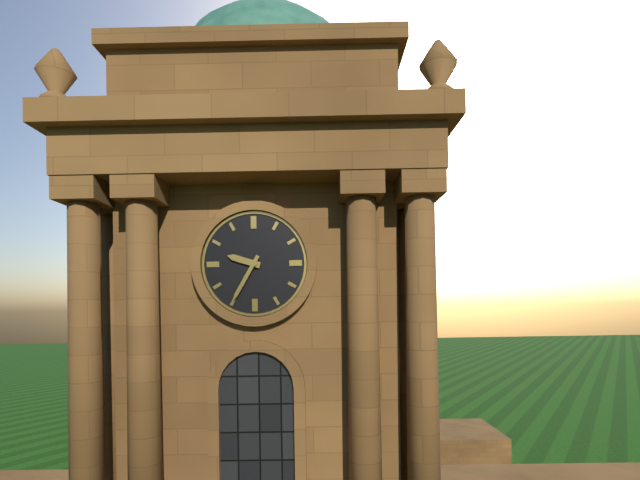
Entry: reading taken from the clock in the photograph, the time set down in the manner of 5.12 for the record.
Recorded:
9.35
